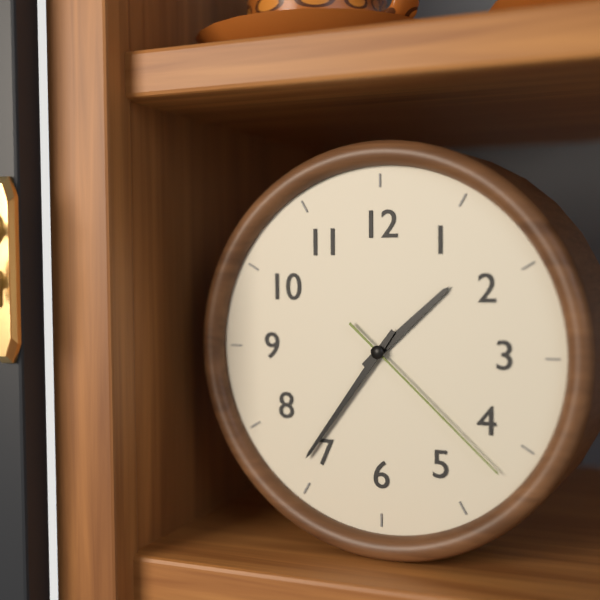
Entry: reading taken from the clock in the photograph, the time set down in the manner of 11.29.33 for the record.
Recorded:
1.36.22
